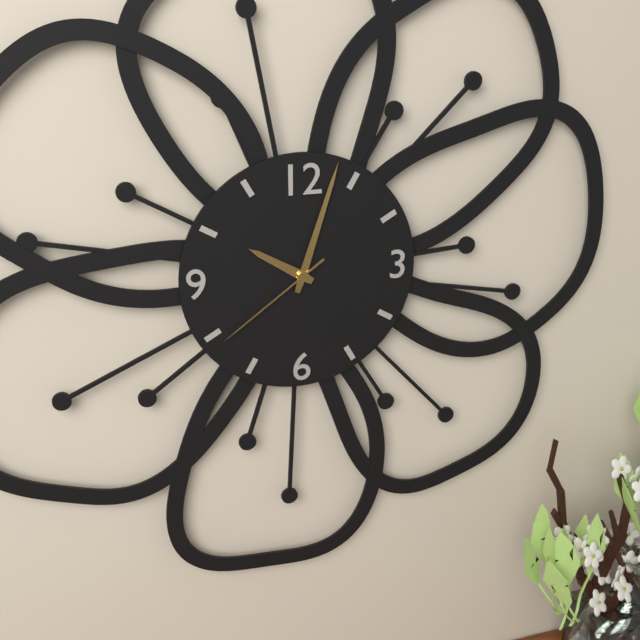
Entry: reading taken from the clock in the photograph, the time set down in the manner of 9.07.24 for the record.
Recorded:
10.03.39
